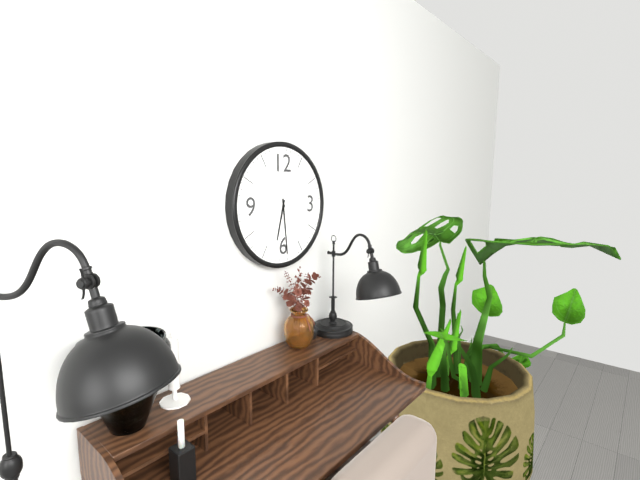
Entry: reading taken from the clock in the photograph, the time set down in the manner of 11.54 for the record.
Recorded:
6.29
